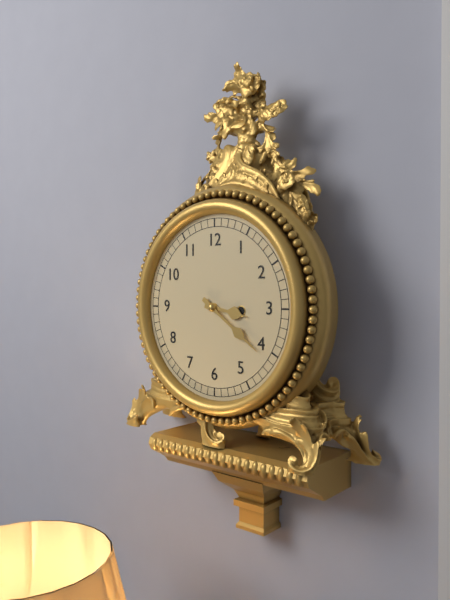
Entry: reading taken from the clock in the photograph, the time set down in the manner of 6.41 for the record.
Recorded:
3.21
